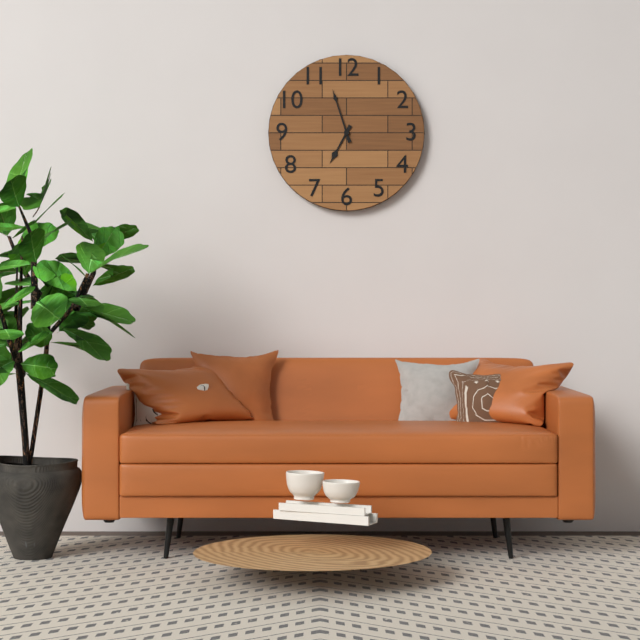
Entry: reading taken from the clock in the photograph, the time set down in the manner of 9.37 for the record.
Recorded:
6.57
